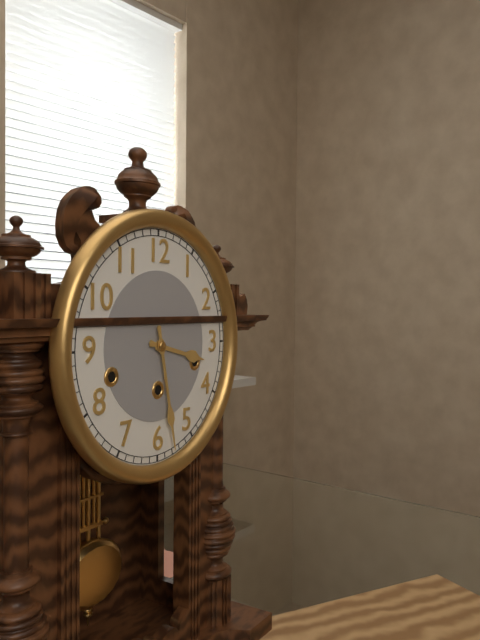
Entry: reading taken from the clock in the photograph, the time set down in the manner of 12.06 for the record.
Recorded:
3.28
